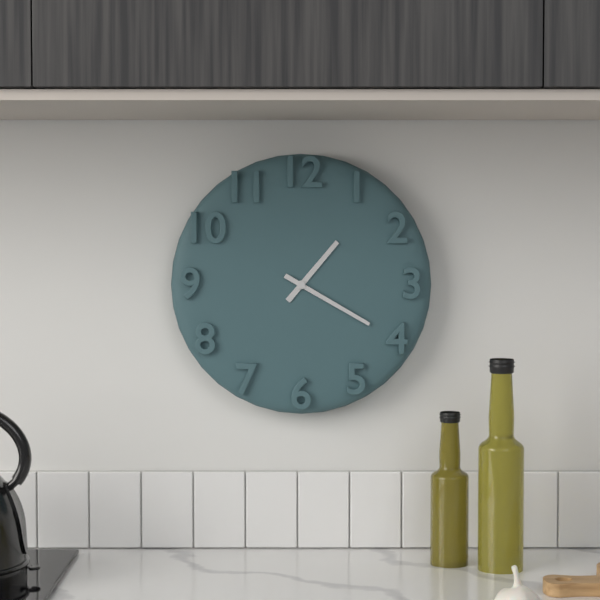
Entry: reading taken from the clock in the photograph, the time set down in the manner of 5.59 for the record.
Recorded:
1.20
